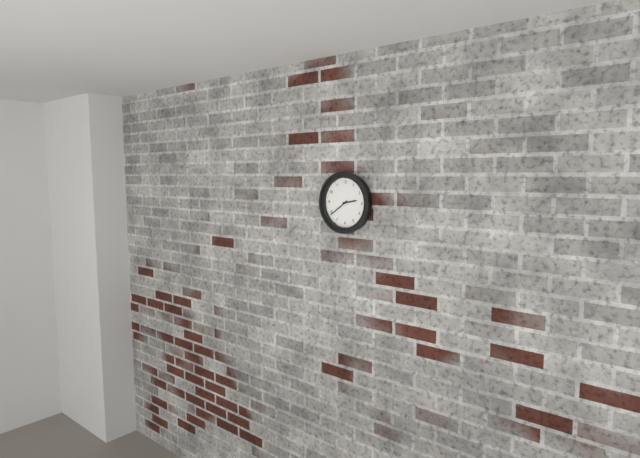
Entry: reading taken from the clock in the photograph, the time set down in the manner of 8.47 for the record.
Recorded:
2.39
